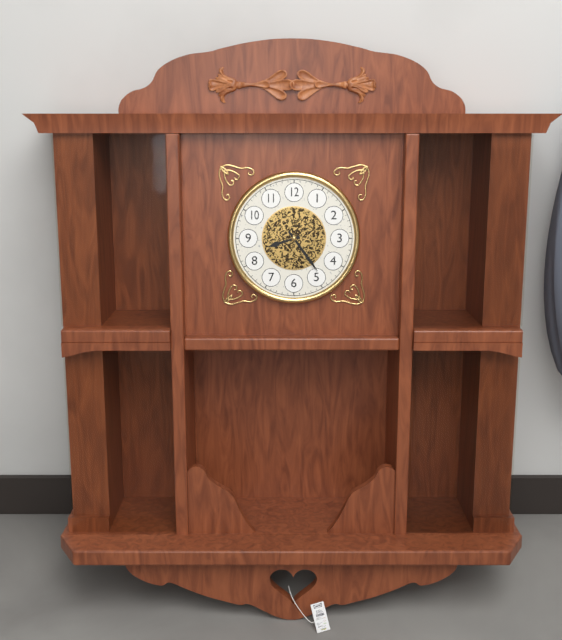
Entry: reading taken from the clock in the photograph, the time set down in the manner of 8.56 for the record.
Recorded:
8.24
